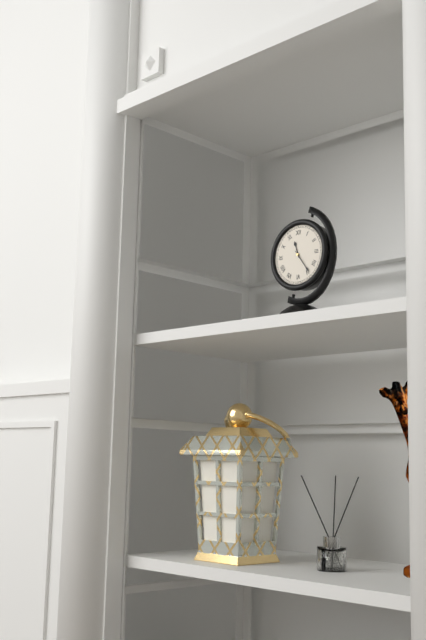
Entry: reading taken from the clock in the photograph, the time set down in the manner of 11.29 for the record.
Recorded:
11.24
